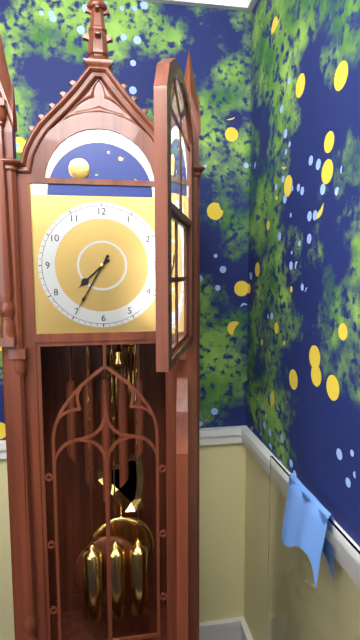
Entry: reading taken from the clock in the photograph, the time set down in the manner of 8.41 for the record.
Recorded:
7.35
